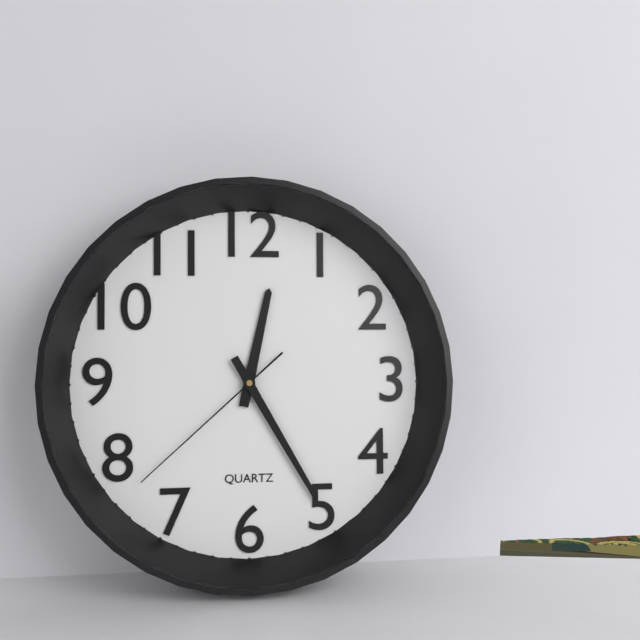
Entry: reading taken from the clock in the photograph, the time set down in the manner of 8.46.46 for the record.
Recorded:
12.25.38
